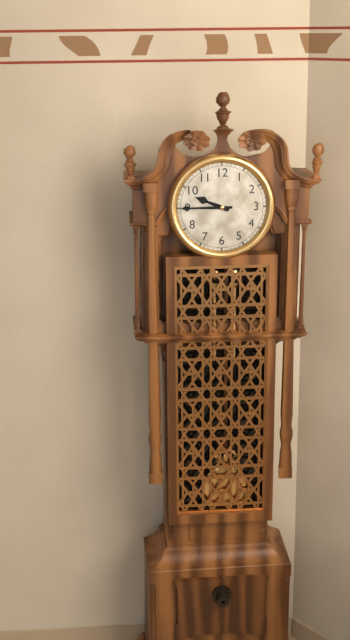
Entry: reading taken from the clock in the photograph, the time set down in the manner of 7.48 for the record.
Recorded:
9.45
